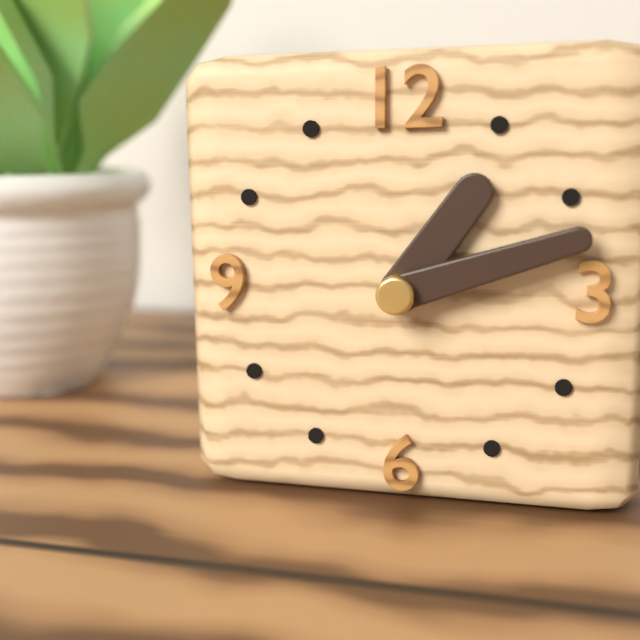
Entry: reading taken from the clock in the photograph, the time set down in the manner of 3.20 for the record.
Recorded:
1.12
